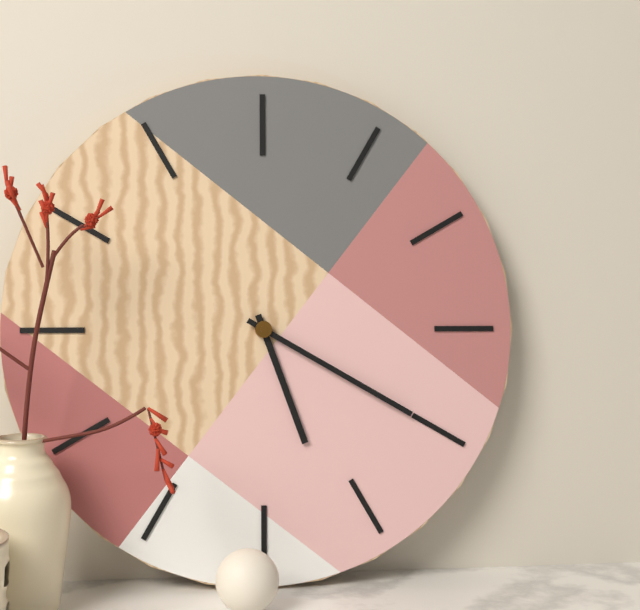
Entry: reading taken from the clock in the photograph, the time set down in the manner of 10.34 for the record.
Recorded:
5.20
